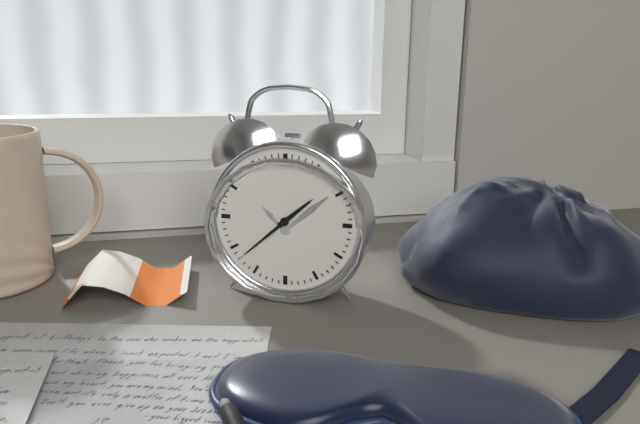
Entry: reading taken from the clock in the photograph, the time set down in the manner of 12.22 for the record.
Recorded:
1.38
